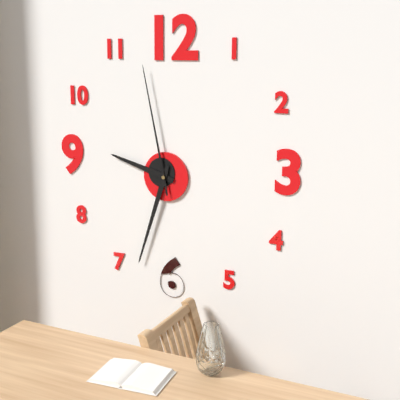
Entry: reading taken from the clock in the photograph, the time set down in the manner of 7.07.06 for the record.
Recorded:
9.33.58
